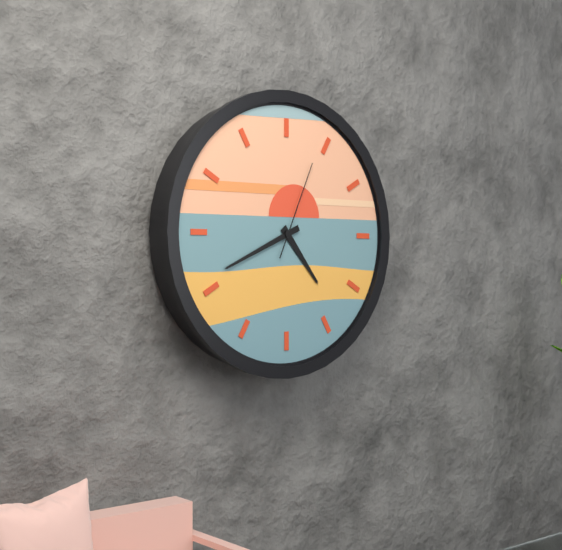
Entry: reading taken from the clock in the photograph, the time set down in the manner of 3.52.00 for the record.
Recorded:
4.41.04
